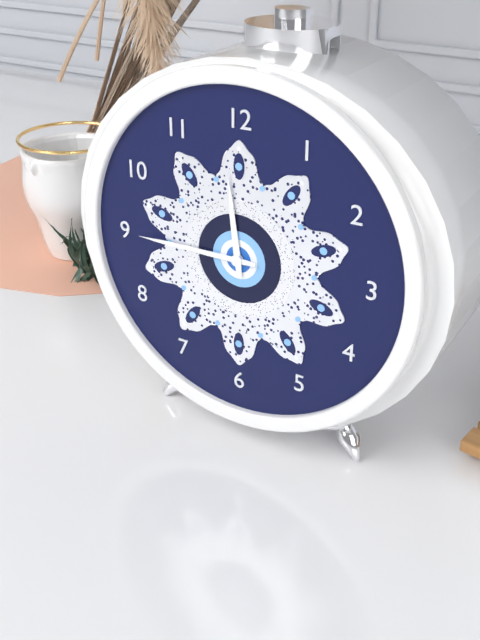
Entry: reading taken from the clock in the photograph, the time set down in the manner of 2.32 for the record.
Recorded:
11.45
